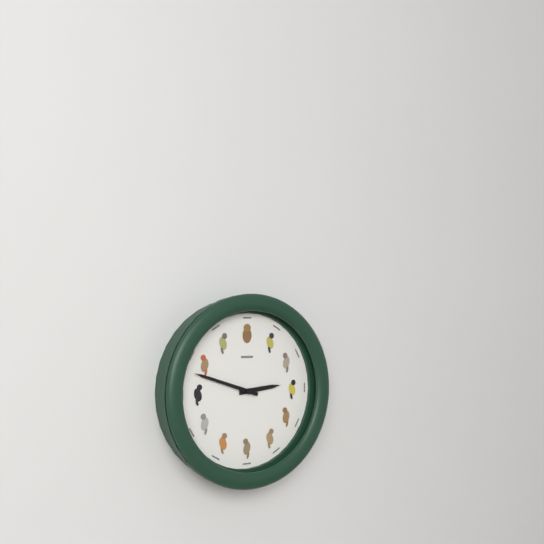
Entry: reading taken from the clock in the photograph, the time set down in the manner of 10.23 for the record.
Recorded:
2.48
